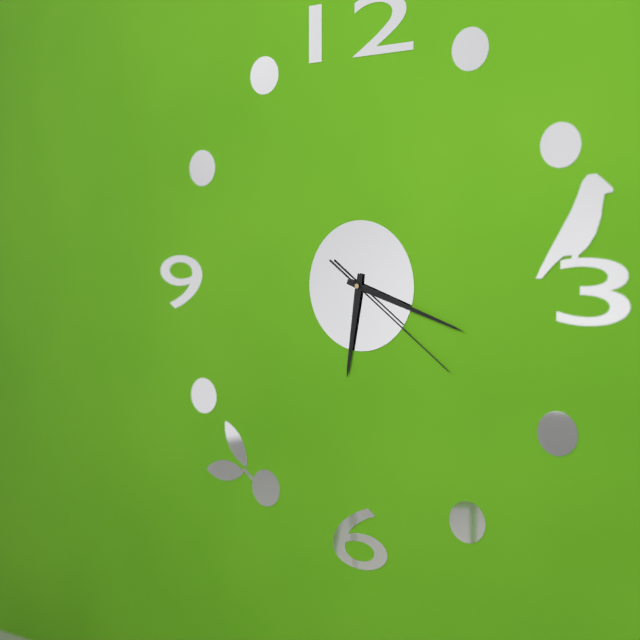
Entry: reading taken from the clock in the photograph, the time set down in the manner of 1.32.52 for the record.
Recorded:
6.18.21
